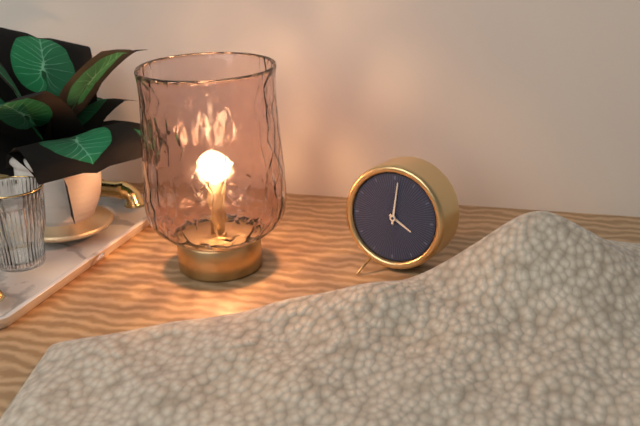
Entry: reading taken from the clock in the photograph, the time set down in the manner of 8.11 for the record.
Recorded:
4.01
